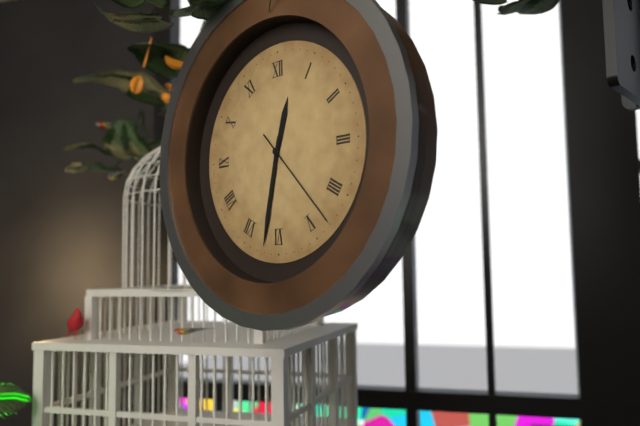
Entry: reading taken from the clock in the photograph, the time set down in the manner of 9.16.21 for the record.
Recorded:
12.32.23
